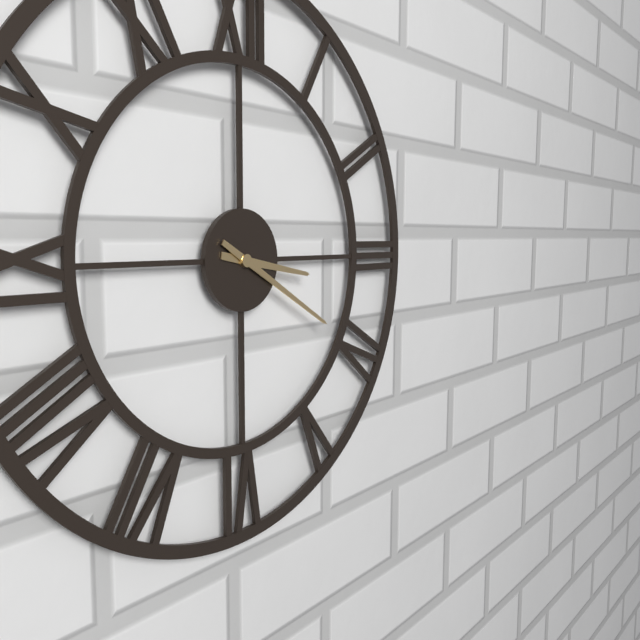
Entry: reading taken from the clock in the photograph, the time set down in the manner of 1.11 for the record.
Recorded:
3.20
